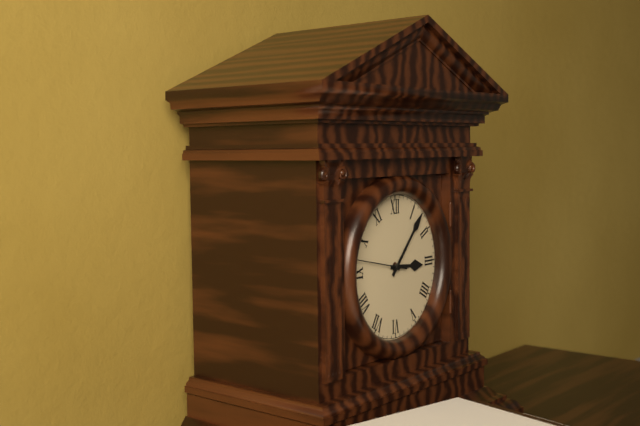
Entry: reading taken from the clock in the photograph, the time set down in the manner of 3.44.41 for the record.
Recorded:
3.07.47
